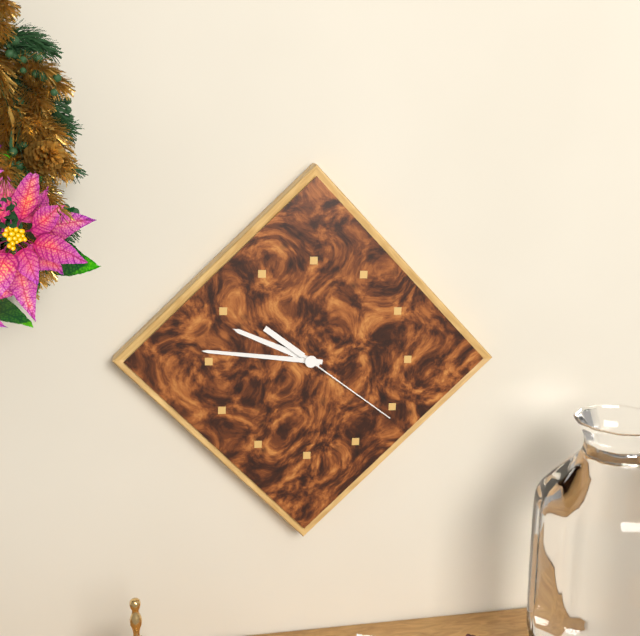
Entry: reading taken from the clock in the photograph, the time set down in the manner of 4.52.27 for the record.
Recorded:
9.46.21
